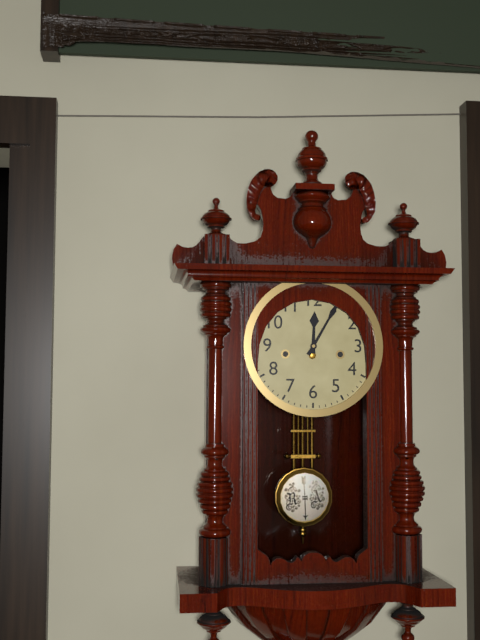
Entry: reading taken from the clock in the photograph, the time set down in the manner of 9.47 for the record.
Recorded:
12.05
